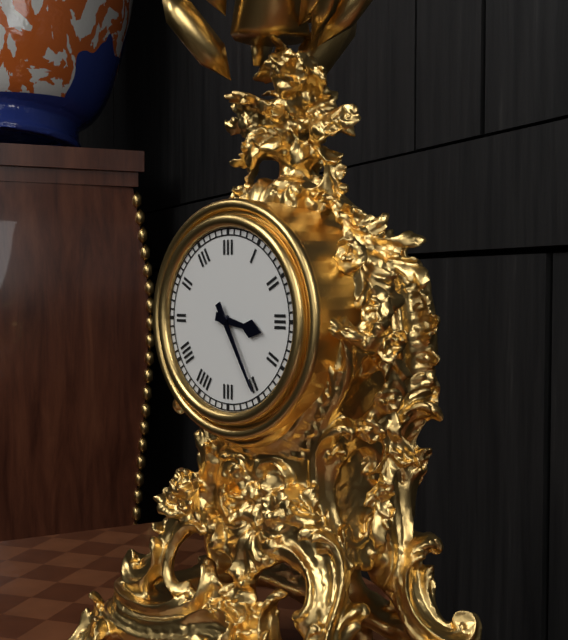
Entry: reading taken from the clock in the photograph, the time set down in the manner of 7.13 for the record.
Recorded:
3.25
